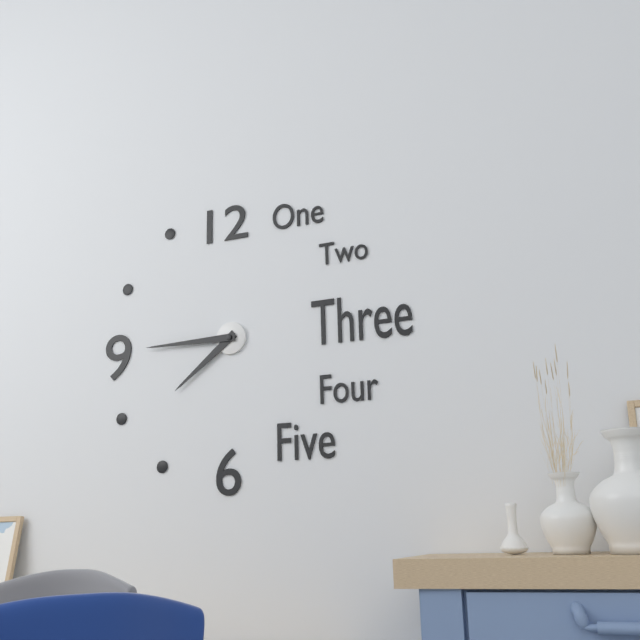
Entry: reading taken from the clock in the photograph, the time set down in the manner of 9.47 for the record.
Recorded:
7.45
